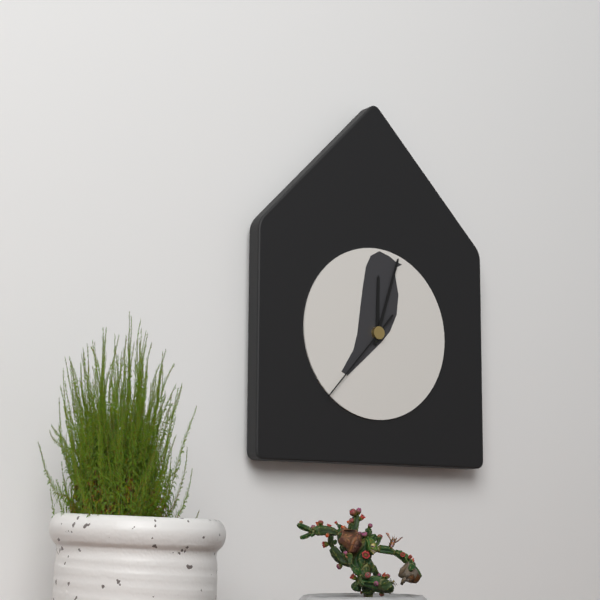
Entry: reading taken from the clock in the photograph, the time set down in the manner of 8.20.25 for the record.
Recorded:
12.03.37
